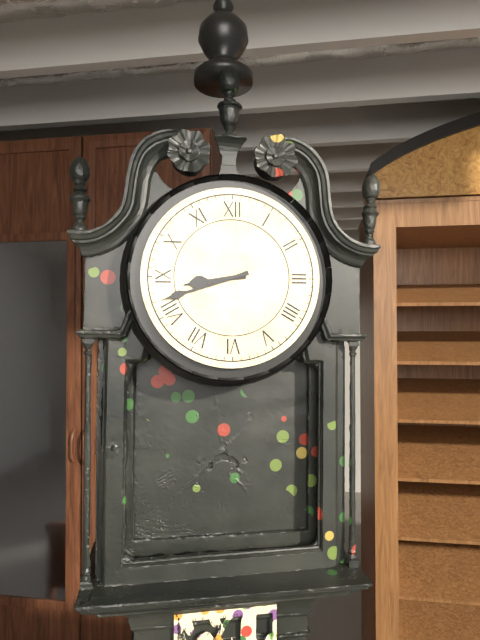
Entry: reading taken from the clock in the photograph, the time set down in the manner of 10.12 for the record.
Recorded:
8.42
